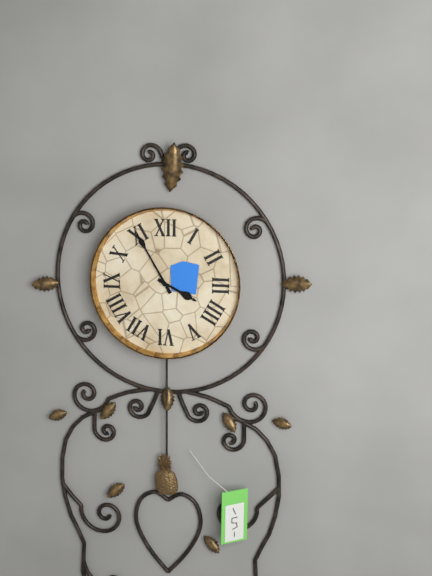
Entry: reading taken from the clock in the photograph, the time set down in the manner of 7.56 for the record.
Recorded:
3.55
